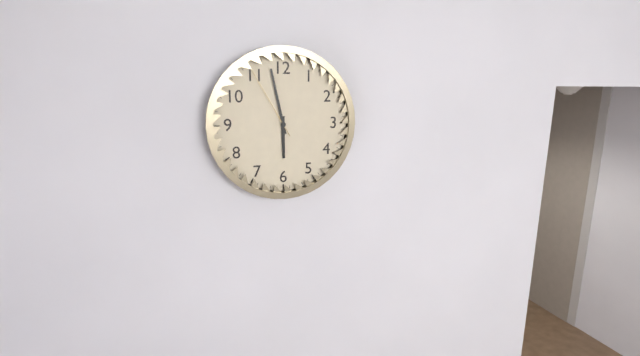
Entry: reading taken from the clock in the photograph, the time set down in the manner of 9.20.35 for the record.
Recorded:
5.58.55
